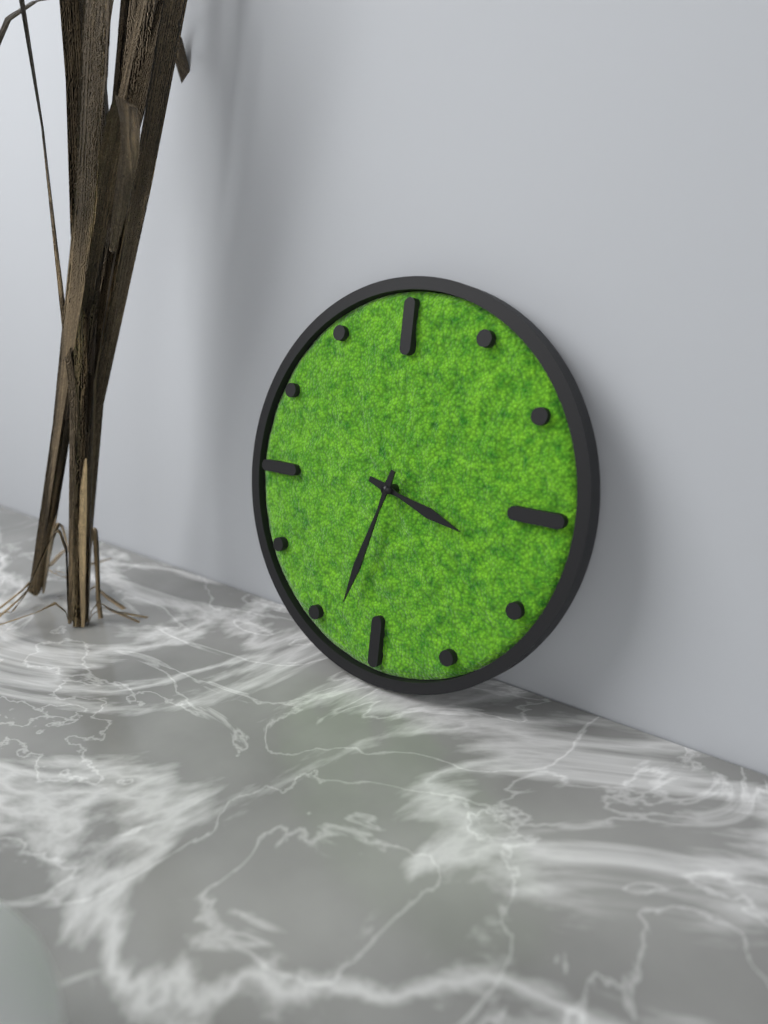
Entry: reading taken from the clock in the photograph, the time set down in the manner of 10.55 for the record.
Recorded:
3.33
